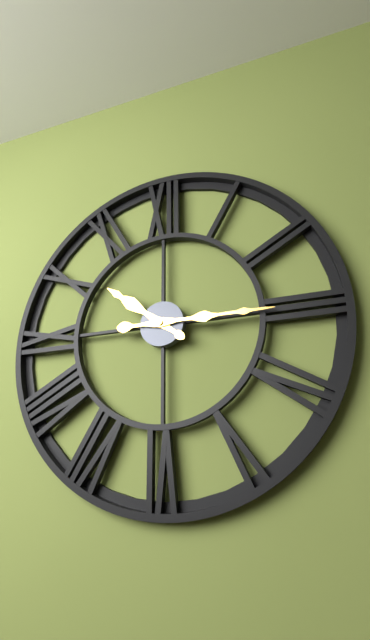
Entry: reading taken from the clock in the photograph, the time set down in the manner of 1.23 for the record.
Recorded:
10.15
